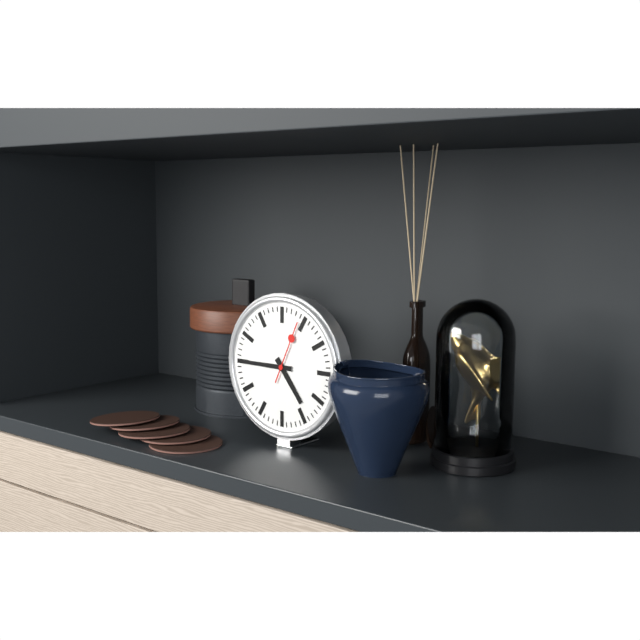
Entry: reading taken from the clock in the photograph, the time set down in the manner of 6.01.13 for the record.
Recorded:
4.45.04
